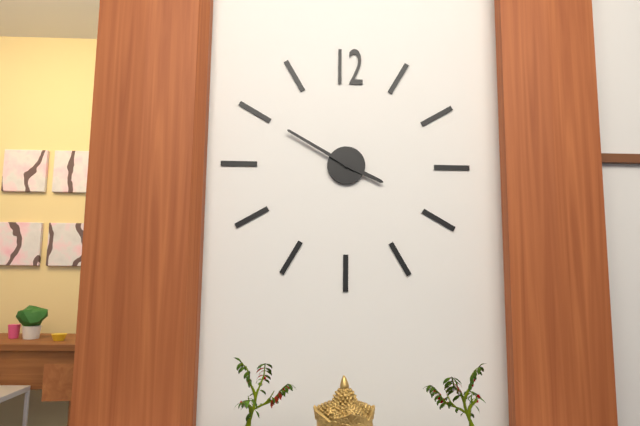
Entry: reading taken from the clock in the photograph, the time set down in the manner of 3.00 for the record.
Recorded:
3.50
